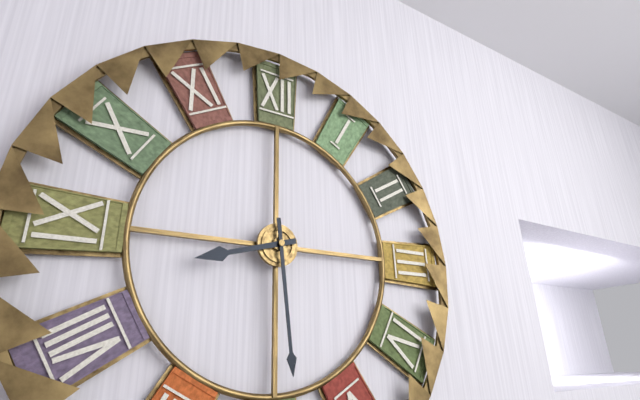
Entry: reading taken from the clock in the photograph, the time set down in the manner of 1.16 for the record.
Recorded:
8.29
